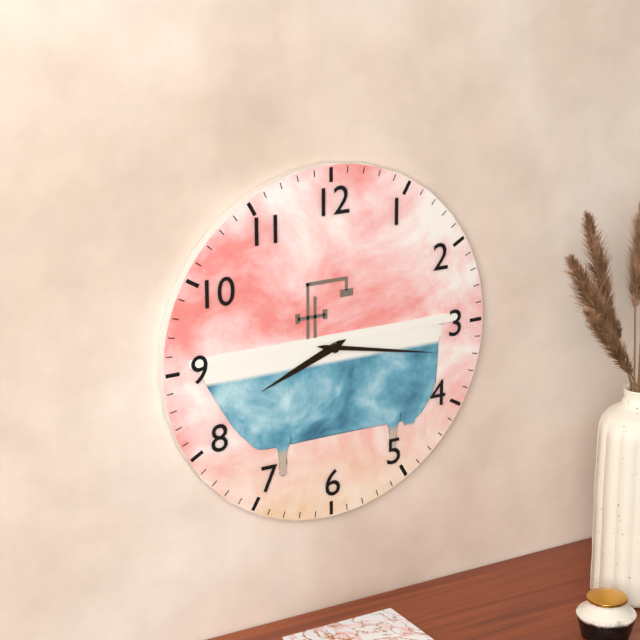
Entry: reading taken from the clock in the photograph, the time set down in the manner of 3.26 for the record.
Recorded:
8.17
